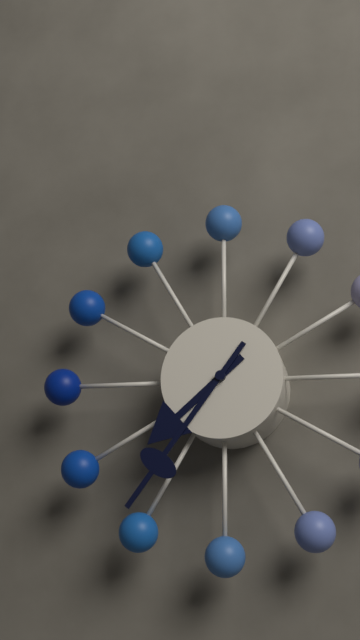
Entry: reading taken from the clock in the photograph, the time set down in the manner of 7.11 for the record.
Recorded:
7.36
